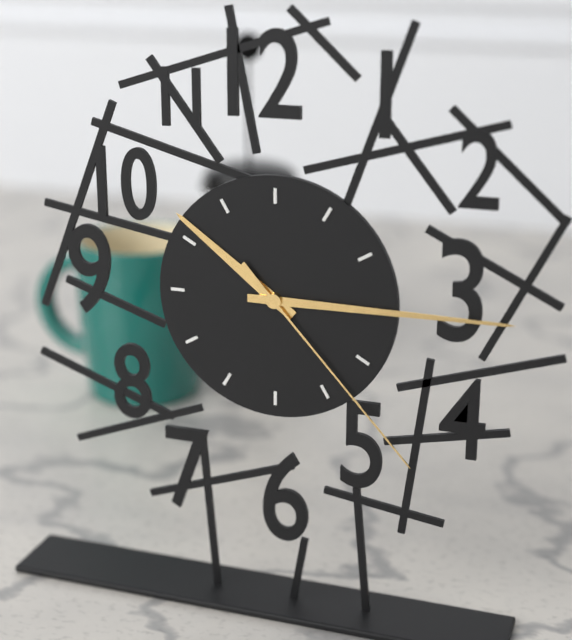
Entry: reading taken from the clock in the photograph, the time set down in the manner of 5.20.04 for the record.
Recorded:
10.15.23
